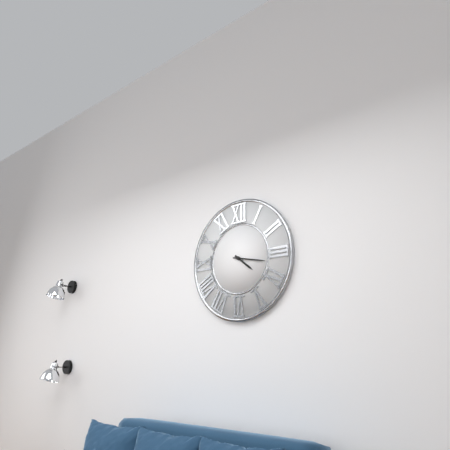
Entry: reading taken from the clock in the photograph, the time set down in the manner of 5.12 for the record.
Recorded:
4.17
